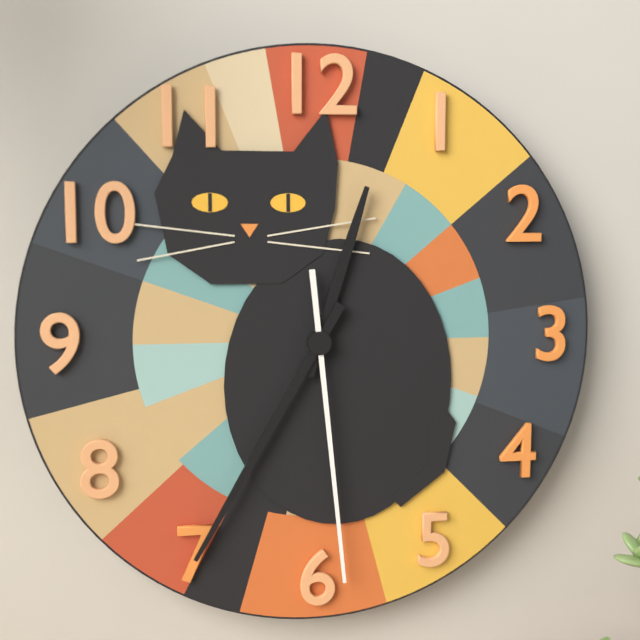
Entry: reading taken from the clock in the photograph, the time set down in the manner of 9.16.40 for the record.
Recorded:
12.35.29
